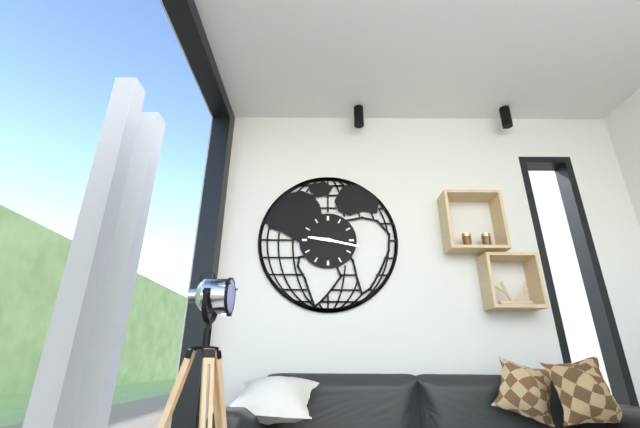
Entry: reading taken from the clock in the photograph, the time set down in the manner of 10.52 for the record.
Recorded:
9.17
